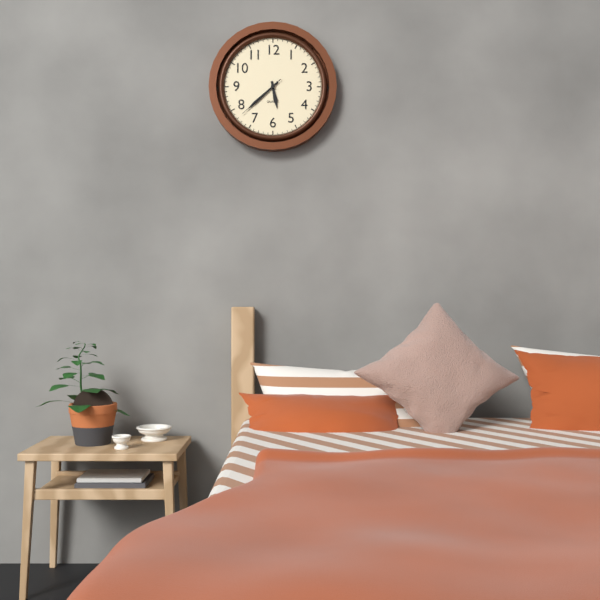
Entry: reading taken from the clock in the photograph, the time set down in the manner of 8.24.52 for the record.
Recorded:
5.38.38
